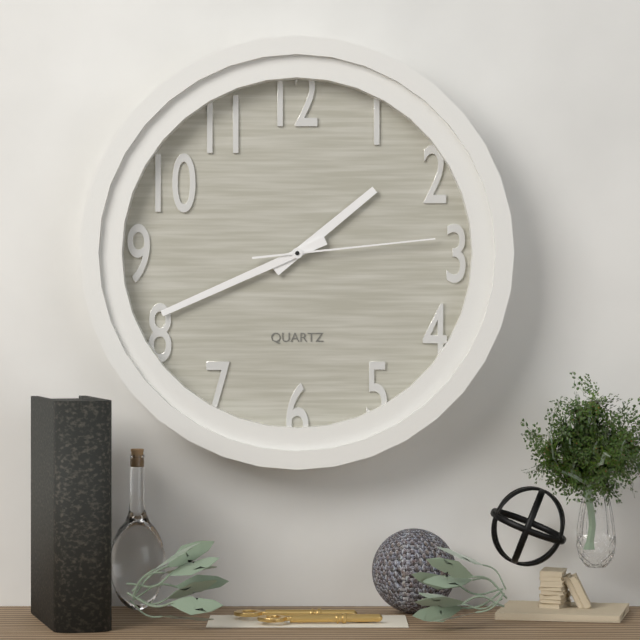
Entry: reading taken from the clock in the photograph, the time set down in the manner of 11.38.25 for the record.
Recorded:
1.41.14
